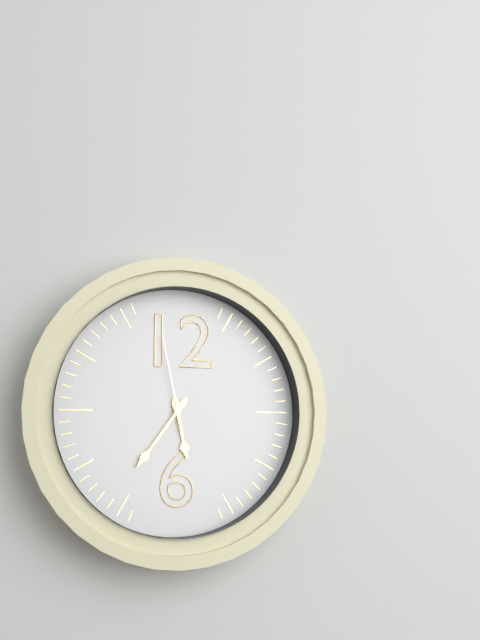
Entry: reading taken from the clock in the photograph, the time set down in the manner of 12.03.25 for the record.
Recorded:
5.36.58
